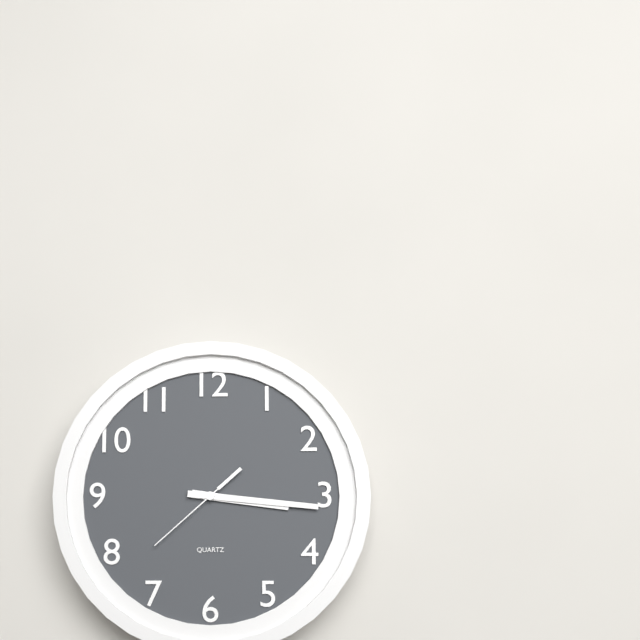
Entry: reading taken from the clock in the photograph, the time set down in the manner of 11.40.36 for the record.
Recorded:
3.16.38
